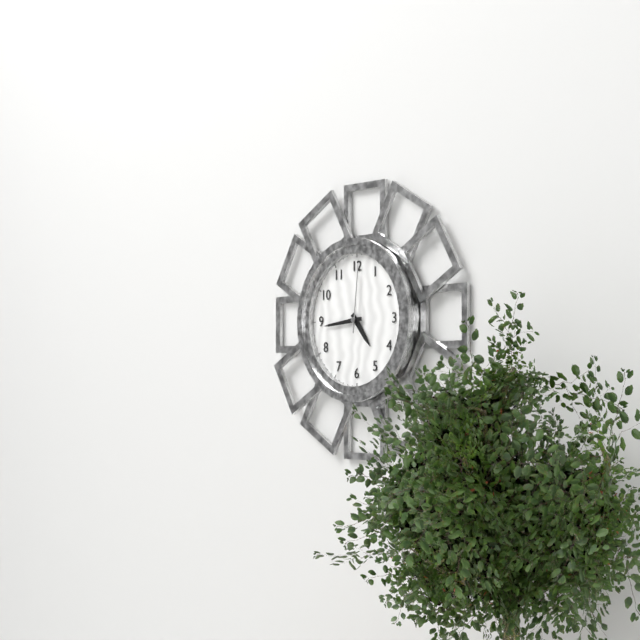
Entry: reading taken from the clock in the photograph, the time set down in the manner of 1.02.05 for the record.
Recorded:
4.44.01
